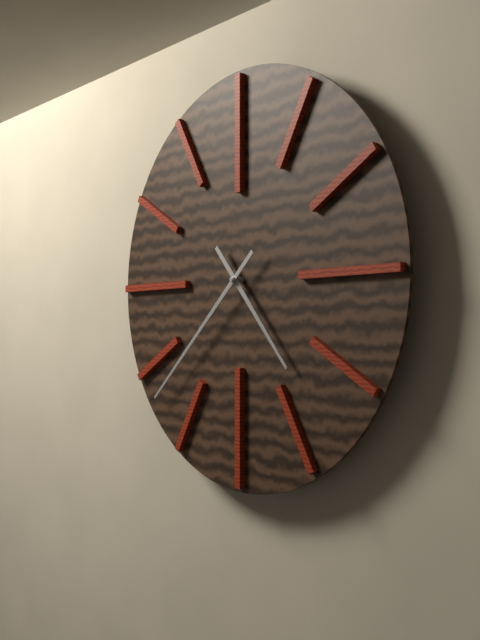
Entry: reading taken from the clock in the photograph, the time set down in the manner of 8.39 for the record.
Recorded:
4.38
